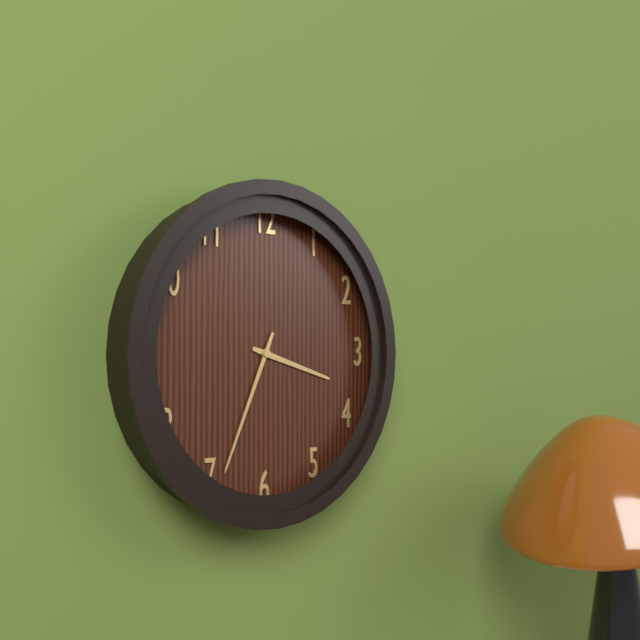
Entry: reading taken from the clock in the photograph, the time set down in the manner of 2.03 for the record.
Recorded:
3.34
